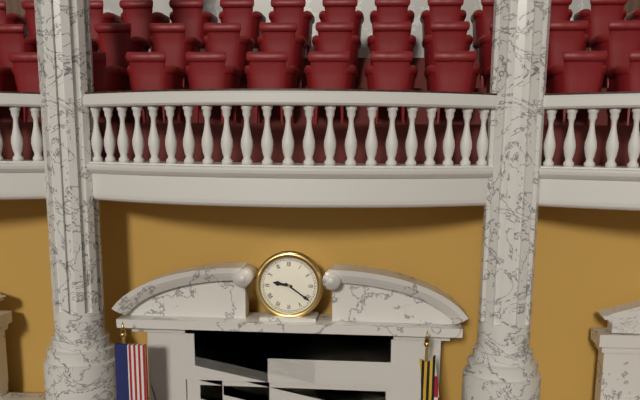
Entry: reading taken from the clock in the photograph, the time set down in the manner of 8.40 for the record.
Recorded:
9.21
